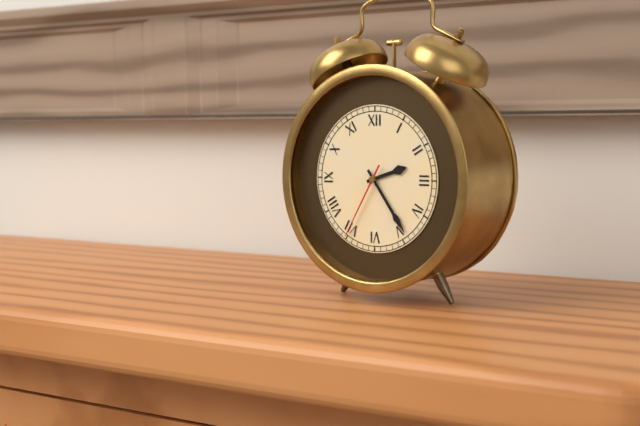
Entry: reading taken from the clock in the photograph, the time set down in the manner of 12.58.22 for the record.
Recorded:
2.24.35
